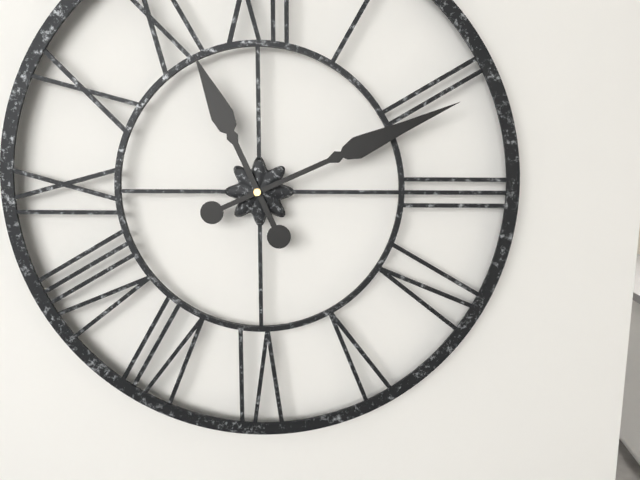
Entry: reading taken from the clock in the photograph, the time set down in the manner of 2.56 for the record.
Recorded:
11.11
